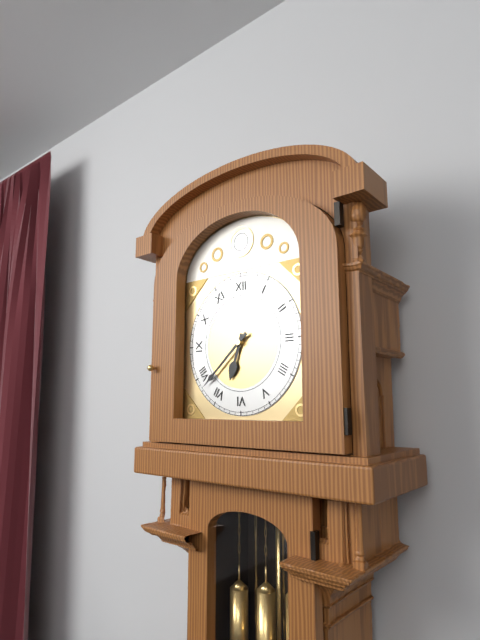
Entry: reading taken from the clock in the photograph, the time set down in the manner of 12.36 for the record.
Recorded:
6.38
